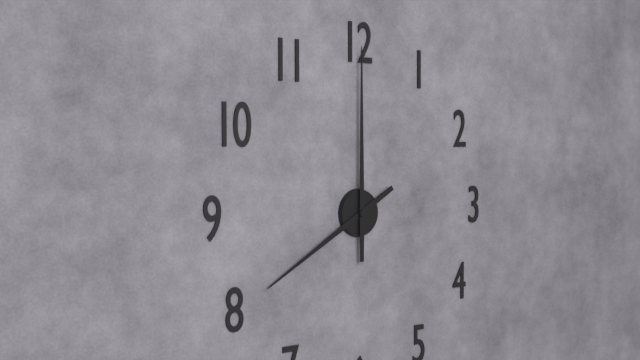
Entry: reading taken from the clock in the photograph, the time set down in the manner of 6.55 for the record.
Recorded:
8.00
